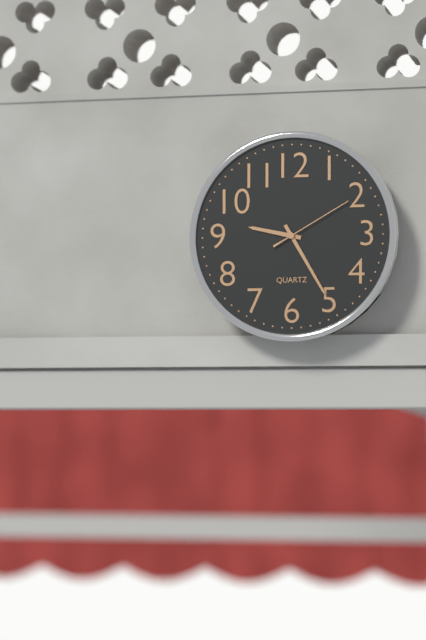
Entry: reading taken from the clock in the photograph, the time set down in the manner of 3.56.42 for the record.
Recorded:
9.25.10
